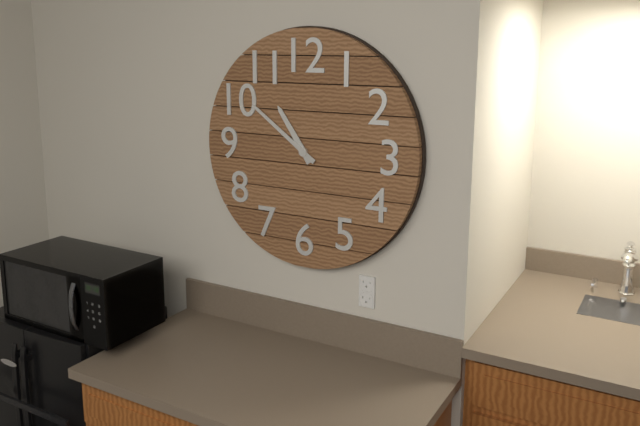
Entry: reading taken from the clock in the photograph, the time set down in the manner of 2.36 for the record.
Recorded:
10.51
